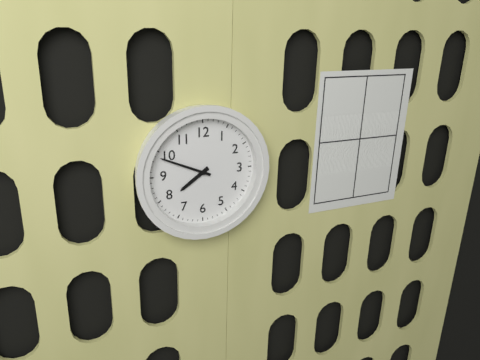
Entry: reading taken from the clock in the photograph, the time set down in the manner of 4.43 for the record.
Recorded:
7.49
